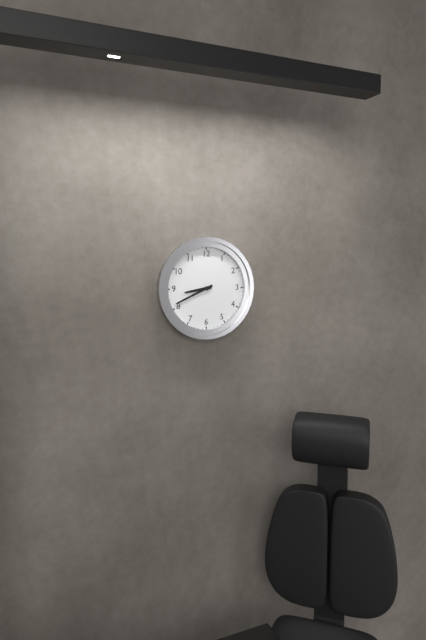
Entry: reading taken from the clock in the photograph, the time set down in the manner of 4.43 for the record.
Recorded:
8.41
